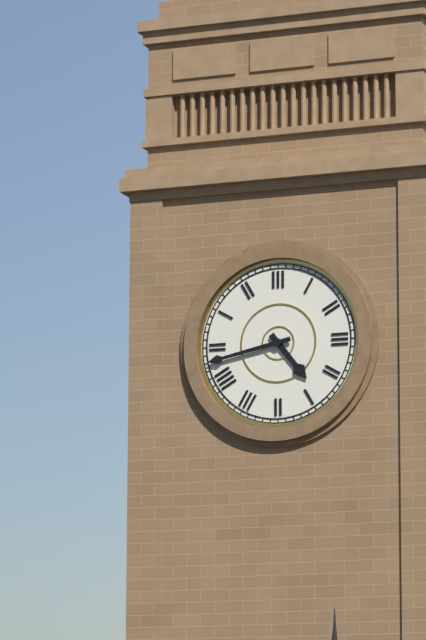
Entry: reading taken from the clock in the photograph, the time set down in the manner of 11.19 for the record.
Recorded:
4.43
